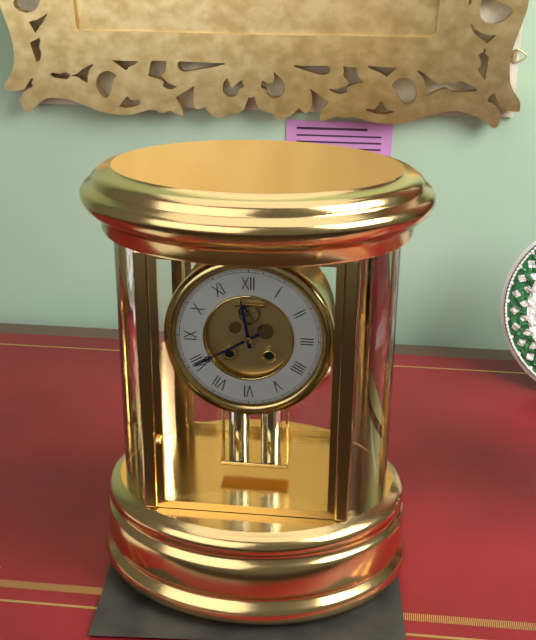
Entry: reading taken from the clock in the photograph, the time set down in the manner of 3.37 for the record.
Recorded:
11.40
